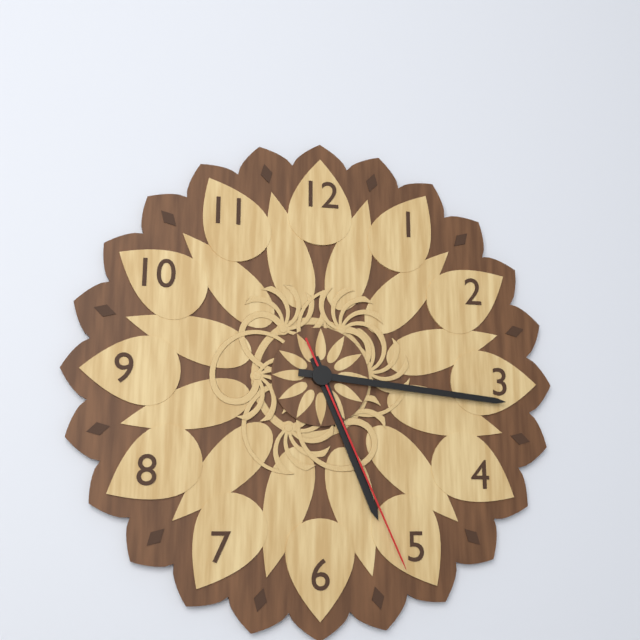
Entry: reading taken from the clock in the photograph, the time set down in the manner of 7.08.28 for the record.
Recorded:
5.16.26
